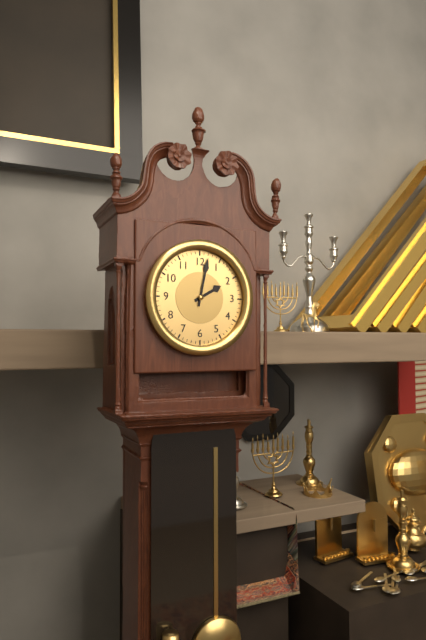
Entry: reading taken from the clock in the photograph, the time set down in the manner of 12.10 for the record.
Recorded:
2.02
